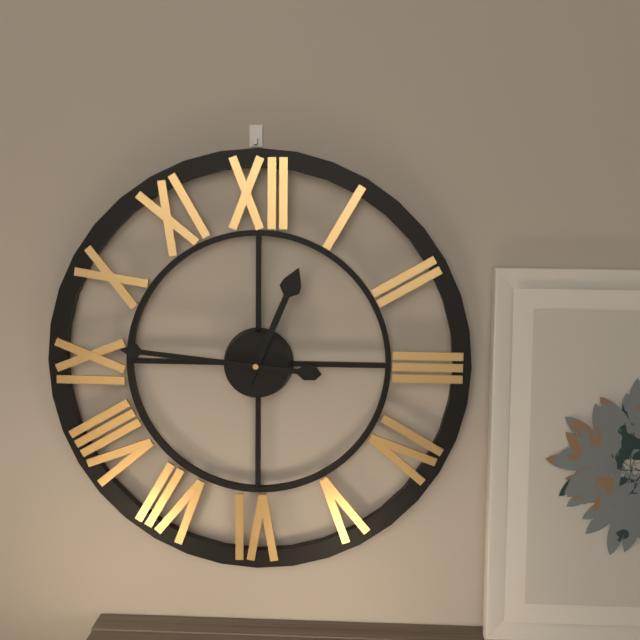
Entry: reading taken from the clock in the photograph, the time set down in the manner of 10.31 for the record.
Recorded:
12.46
